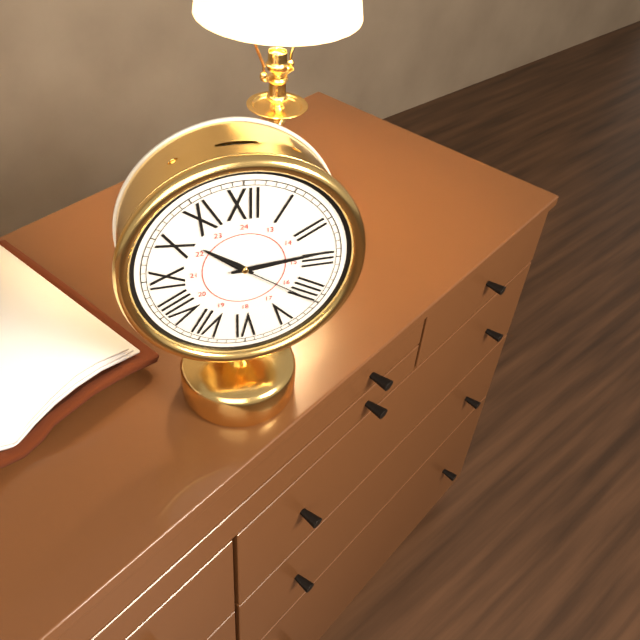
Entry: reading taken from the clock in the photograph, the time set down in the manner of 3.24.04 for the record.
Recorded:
10.14.21
